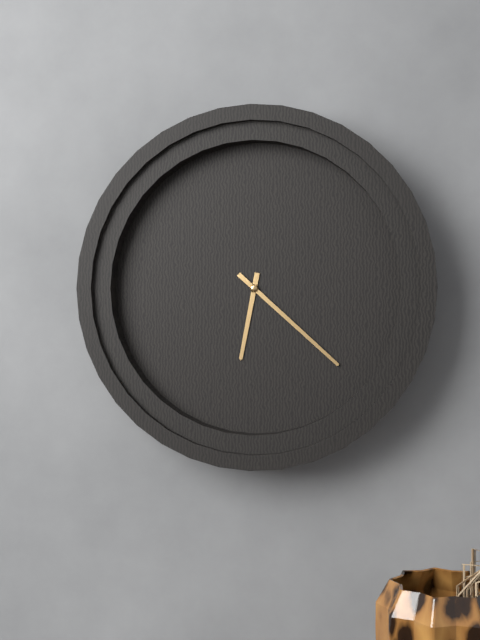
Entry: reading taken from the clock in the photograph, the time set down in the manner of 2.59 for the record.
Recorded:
6.22
